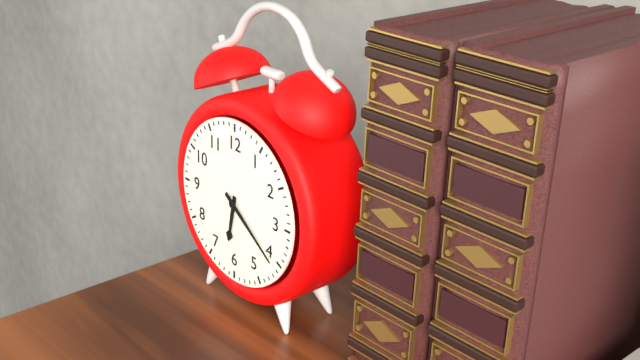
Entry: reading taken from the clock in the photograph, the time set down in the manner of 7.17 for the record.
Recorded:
6.21
